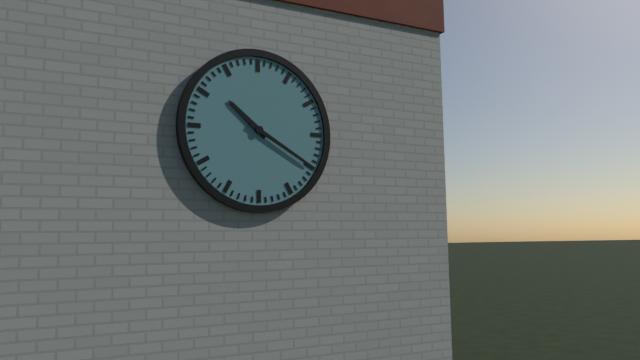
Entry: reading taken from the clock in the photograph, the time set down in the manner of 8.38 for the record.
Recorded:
10.20
